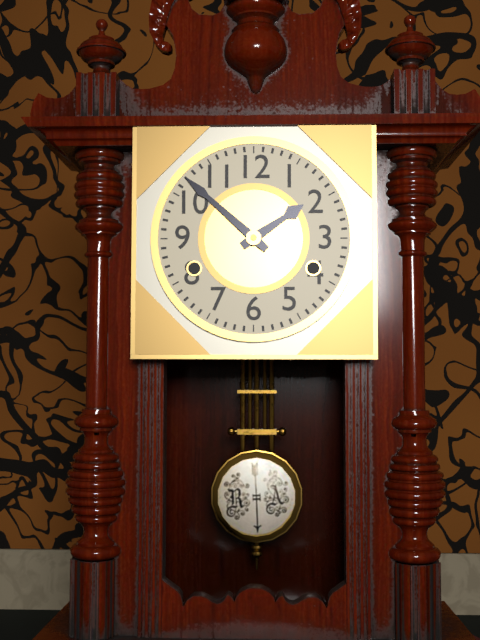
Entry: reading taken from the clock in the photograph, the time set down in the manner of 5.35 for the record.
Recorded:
1.52
